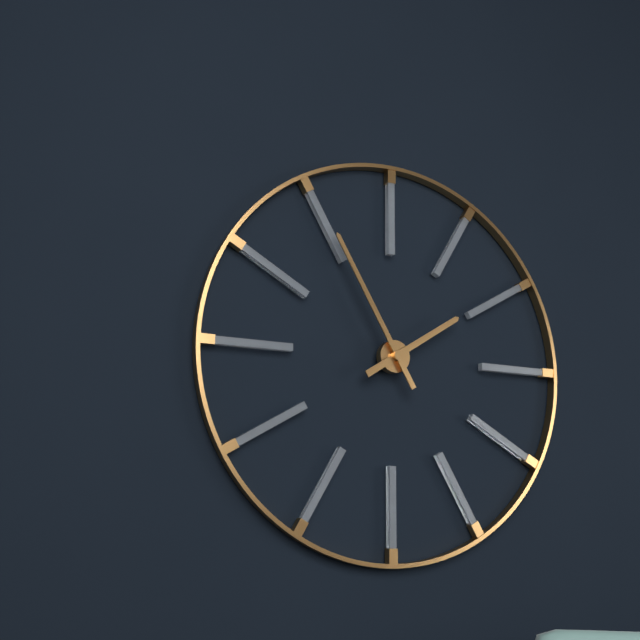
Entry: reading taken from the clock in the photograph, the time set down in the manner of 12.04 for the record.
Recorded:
1.55
